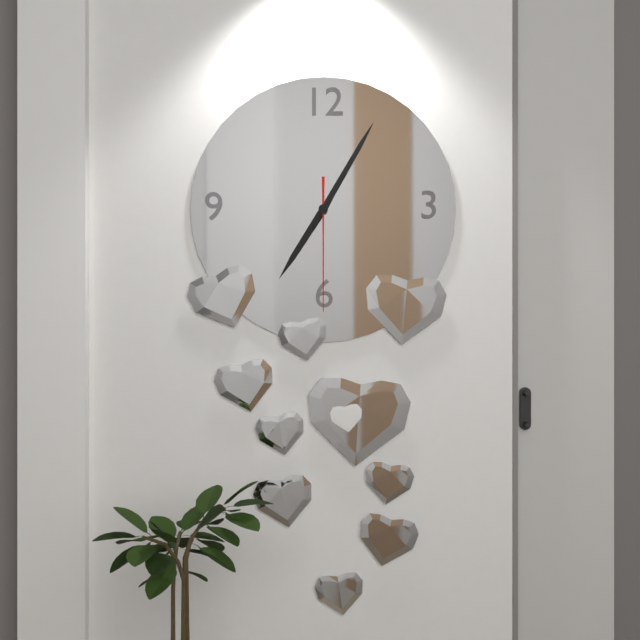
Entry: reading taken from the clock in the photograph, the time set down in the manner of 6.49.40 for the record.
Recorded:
7.05.30
